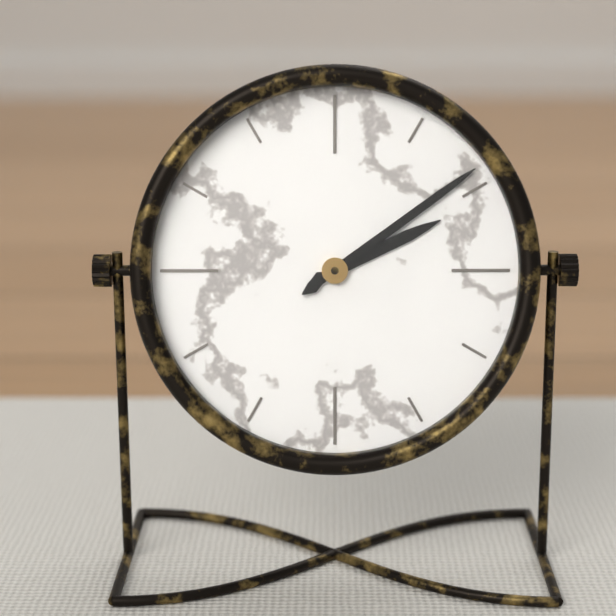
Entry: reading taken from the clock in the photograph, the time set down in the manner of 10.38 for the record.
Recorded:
2.09
